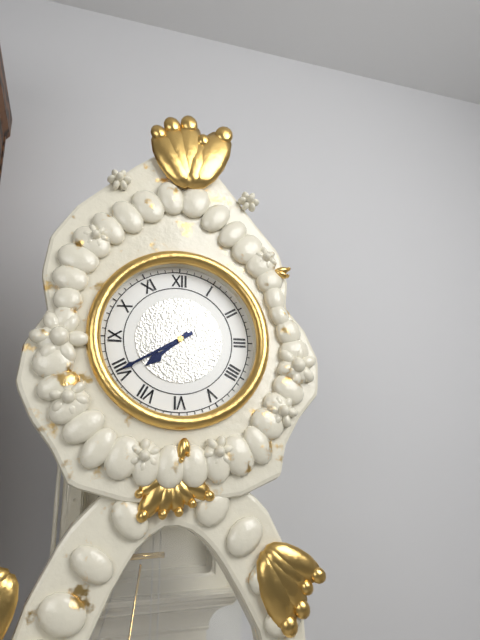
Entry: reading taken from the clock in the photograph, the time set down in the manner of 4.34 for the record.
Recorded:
7.40
